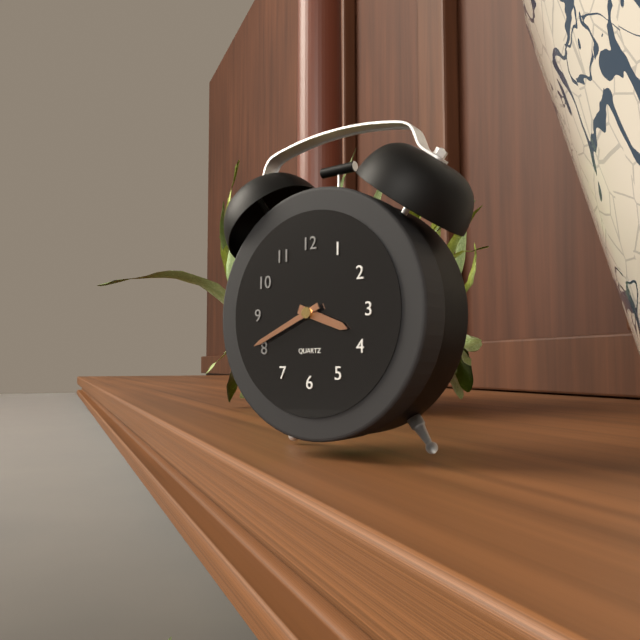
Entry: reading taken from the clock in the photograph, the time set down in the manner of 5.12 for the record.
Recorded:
3.41
